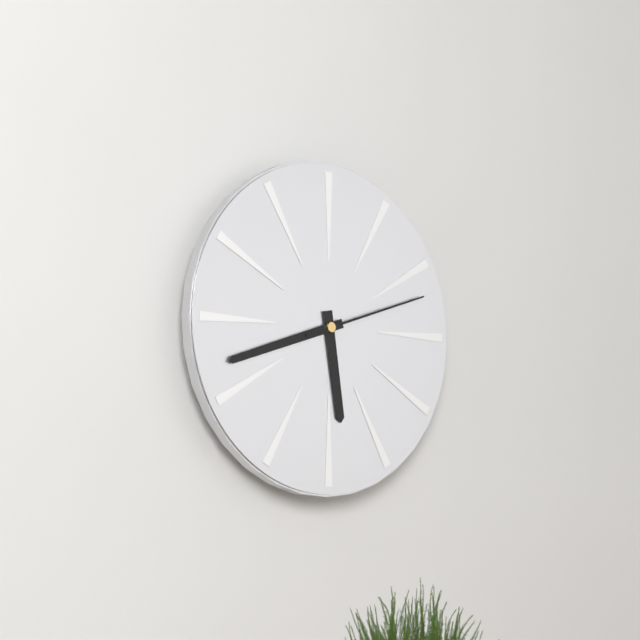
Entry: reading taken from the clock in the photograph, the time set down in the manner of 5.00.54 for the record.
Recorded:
5.42.12
